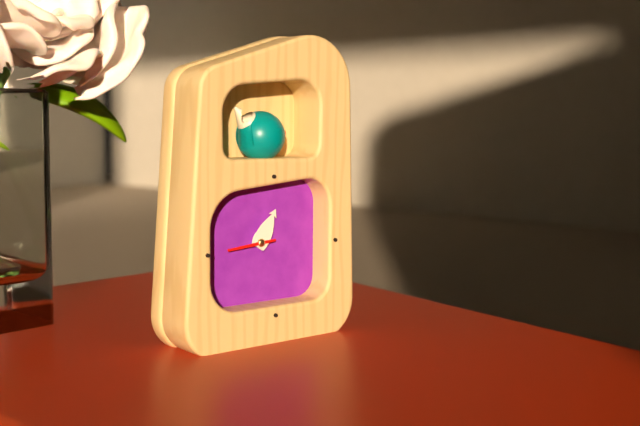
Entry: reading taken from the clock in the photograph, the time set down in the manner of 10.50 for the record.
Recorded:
1.05
